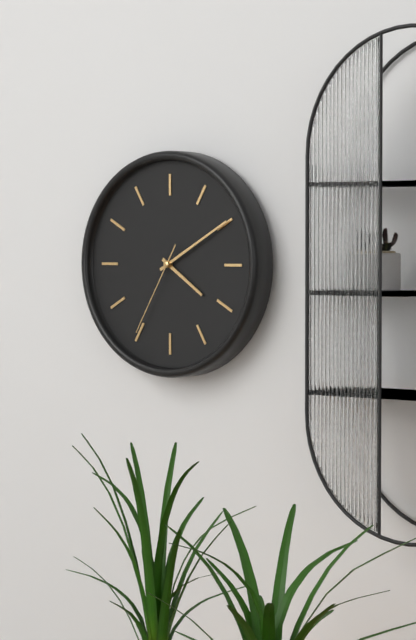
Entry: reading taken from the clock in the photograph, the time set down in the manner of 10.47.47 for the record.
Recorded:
4.10.35
